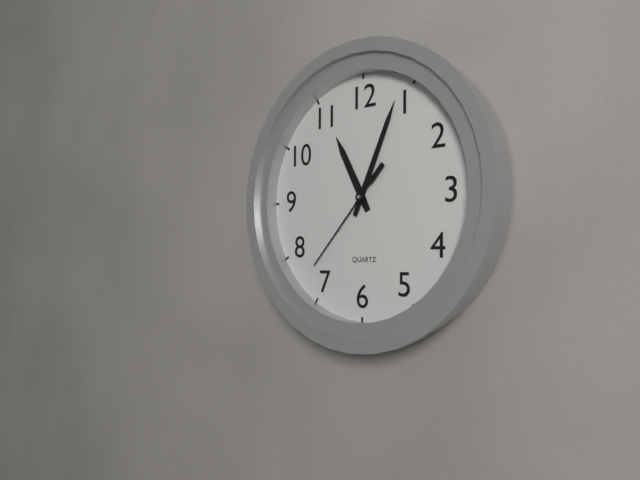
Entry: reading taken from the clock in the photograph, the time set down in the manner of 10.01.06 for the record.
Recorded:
11.04.37
